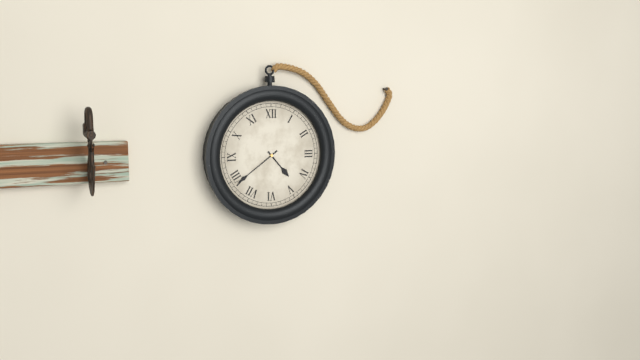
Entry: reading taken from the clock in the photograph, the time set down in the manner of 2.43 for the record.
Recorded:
4.39
